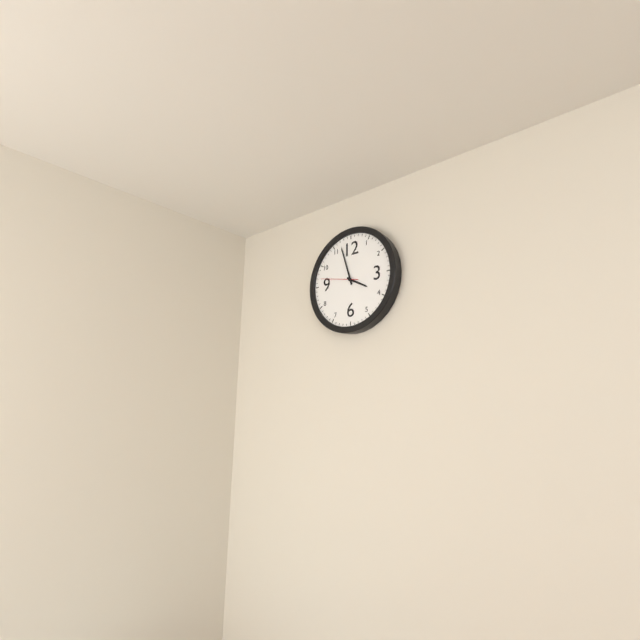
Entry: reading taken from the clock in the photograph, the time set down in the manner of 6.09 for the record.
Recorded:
3.57
